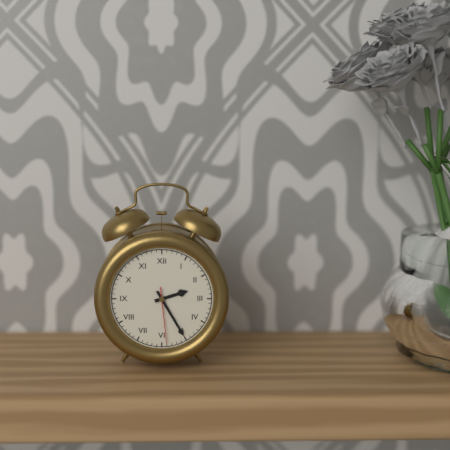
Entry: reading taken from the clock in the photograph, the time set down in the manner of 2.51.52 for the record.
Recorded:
2.25.29
